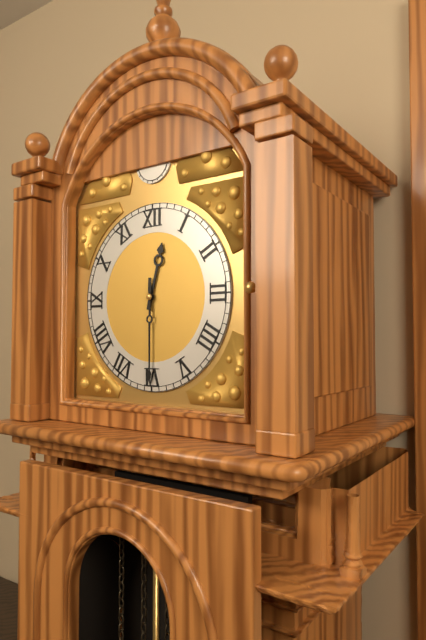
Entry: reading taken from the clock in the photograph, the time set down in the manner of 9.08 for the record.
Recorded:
12.30
